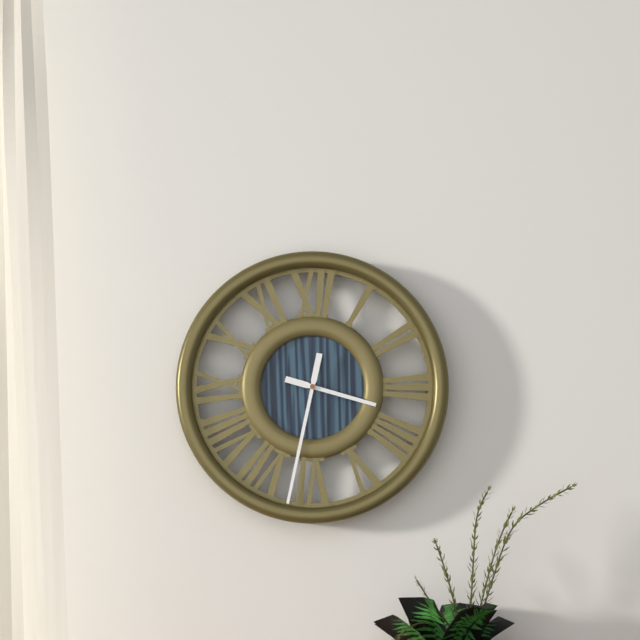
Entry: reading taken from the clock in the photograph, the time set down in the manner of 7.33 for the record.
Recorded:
3.32
